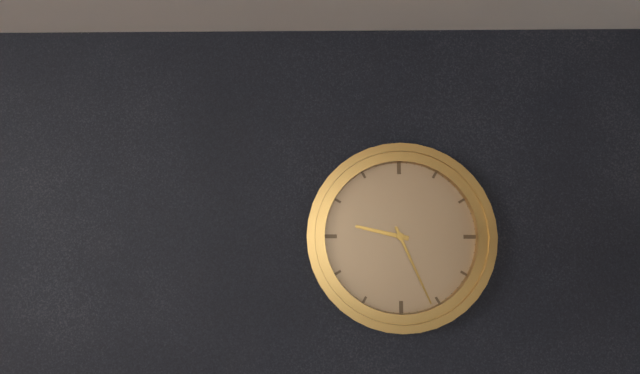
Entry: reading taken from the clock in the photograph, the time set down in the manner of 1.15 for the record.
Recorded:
9.26
